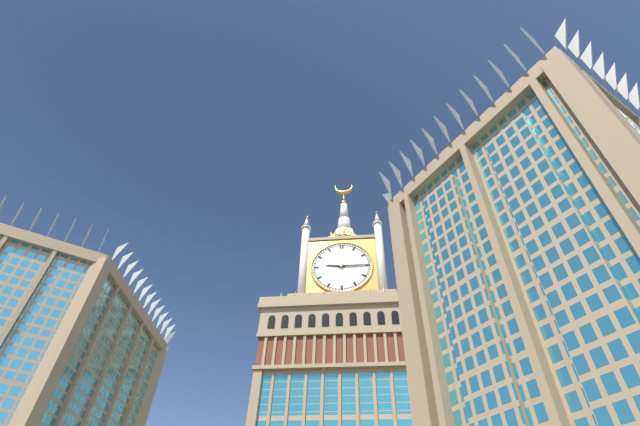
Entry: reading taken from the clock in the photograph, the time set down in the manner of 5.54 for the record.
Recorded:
9.15
